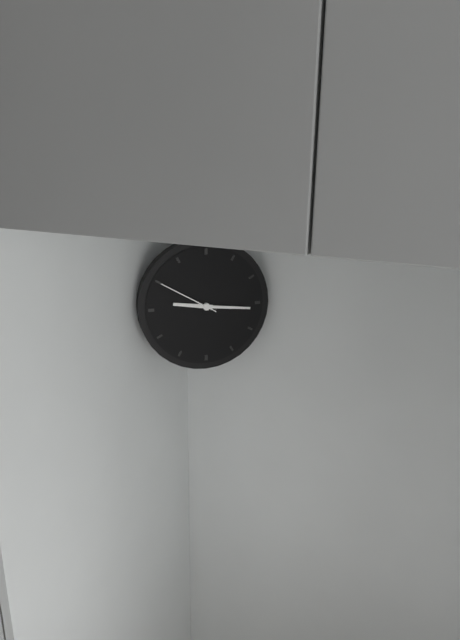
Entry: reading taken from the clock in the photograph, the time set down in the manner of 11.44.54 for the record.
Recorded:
9.16.50
